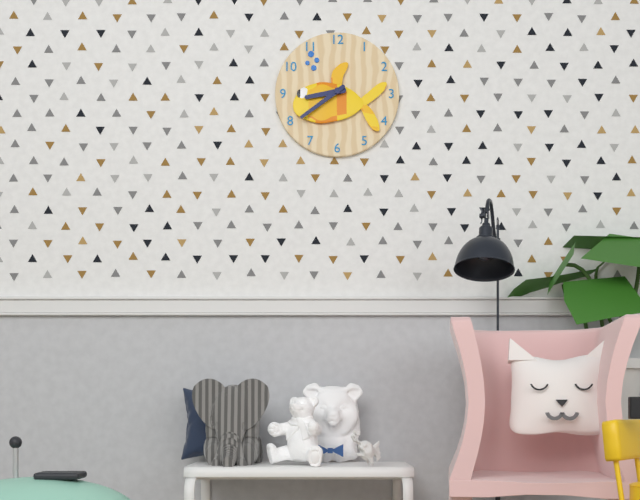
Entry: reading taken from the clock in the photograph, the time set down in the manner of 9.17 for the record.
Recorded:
8.39
